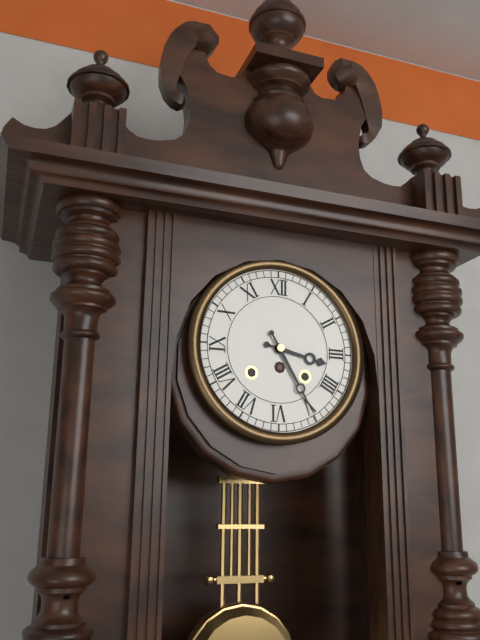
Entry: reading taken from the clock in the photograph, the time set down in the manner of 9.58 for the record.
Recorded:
3.25
